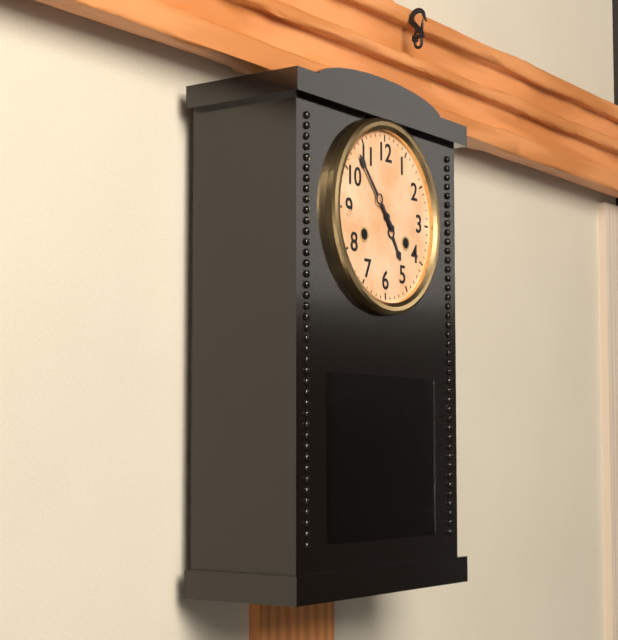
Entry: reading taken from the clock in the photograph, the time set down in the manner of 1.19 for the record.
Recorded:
4.53
